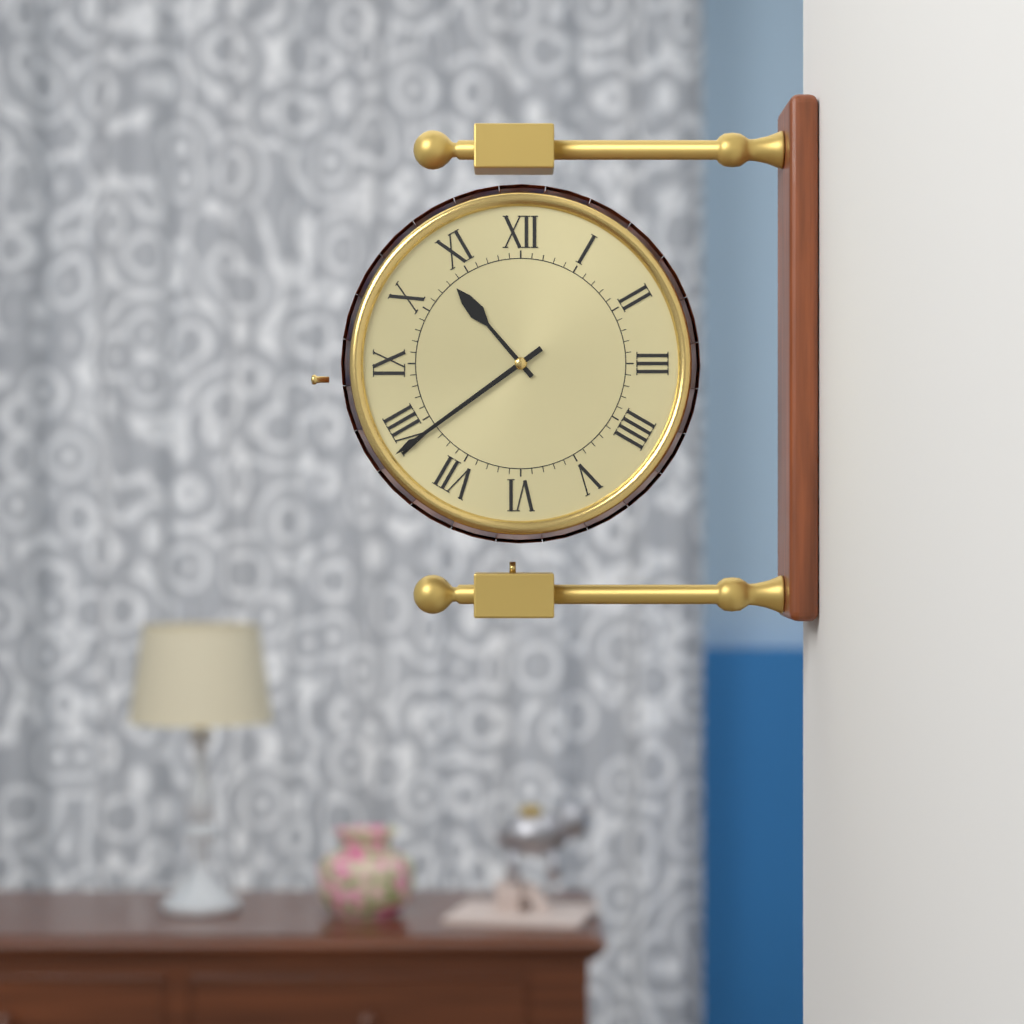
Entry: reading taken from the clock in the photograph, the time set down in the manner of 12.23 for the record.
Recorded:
10.39
